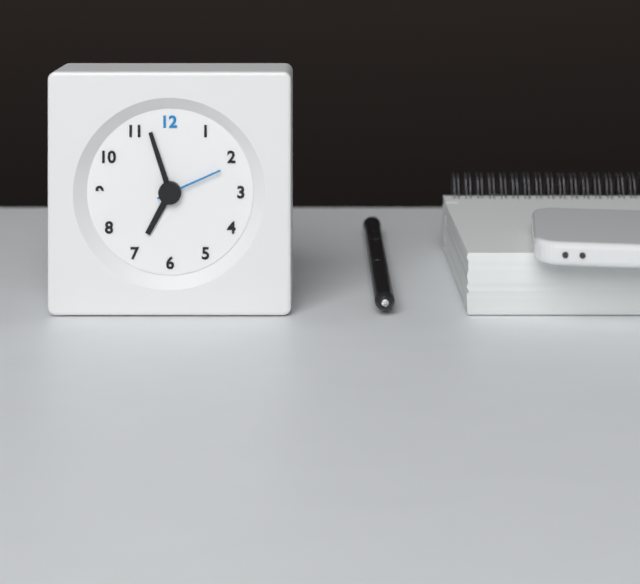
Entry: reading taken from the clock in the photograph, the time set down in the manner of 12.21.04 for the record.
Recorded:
6.57.11
